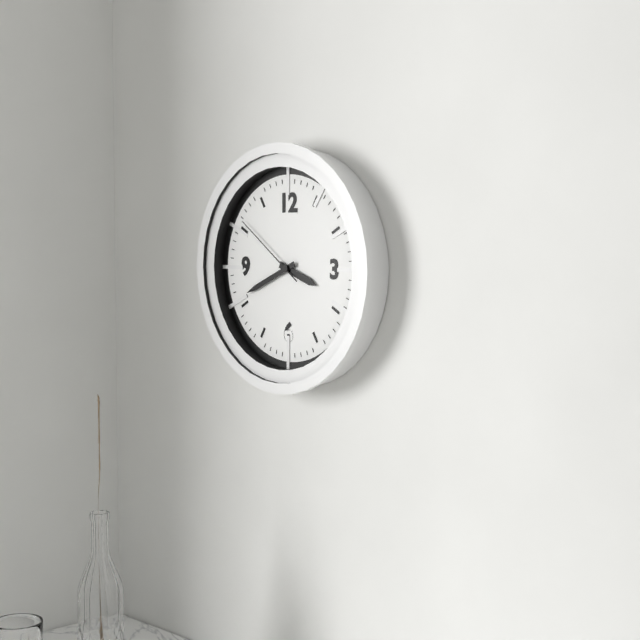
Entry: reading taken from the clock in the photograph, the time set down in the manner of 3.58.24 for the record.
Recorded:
3.41.51
